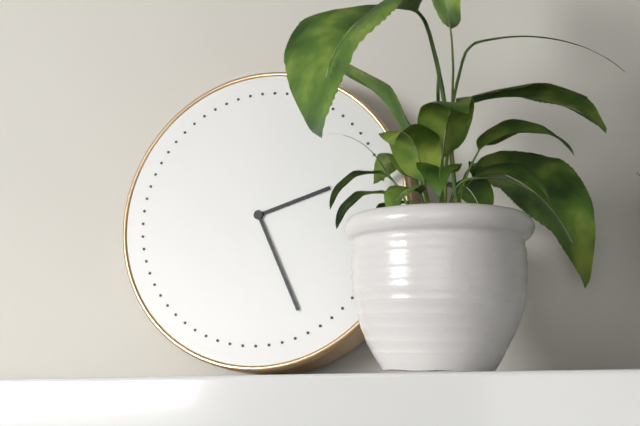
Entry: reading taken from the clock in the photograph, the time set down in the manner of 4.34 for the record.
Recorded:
2.26
